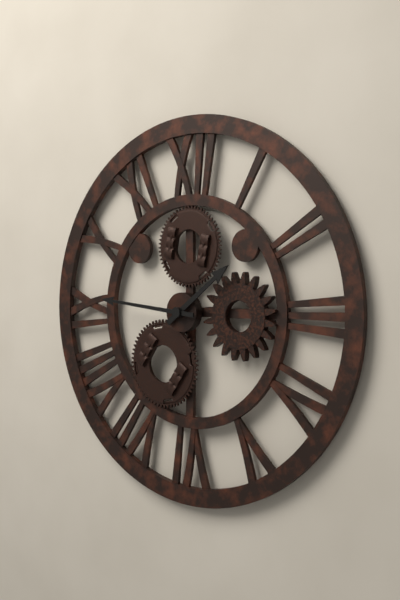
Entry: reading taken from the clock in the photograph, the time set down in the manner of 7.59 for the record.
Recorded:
1.46
